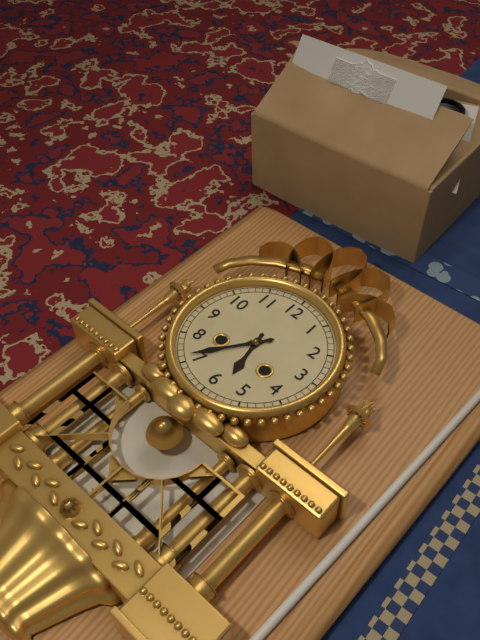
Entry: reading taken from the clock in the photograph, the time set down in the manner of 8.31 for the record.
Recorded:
5.36
